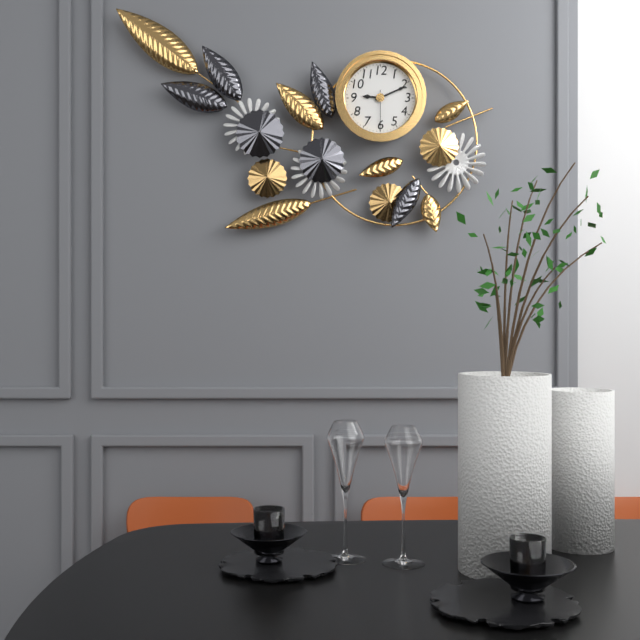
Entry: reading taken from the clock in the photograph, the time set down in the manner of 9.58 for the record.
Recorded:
9.11
